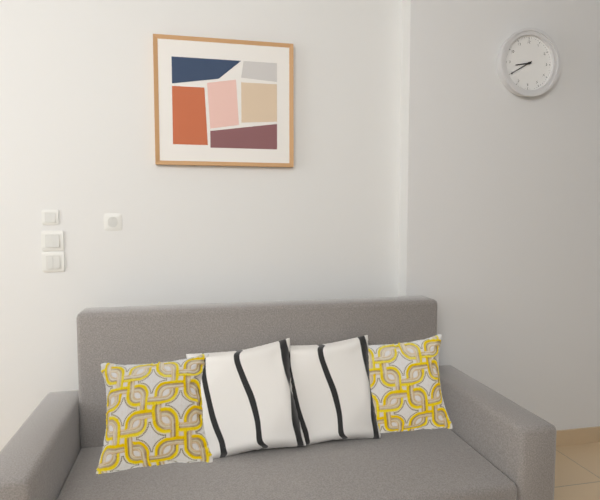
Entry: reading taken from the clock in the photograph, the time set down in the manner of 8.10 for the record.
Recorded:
8.40
